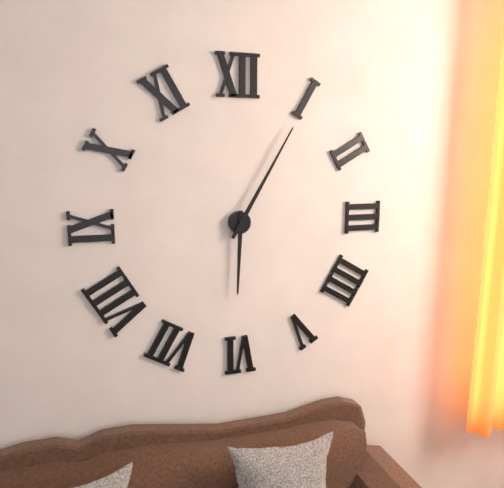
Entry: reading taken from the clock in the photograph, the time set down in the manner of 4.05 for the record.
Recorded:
6.05
